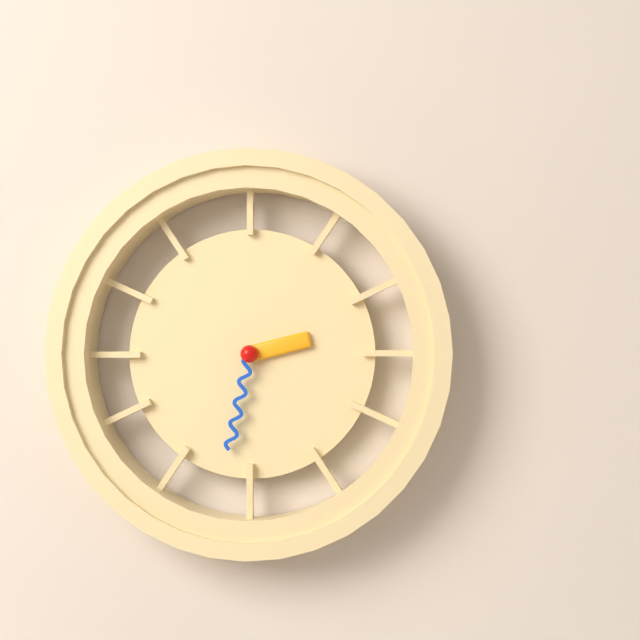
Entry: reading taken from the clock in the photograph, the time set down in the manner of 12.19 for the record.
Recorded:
2.32
